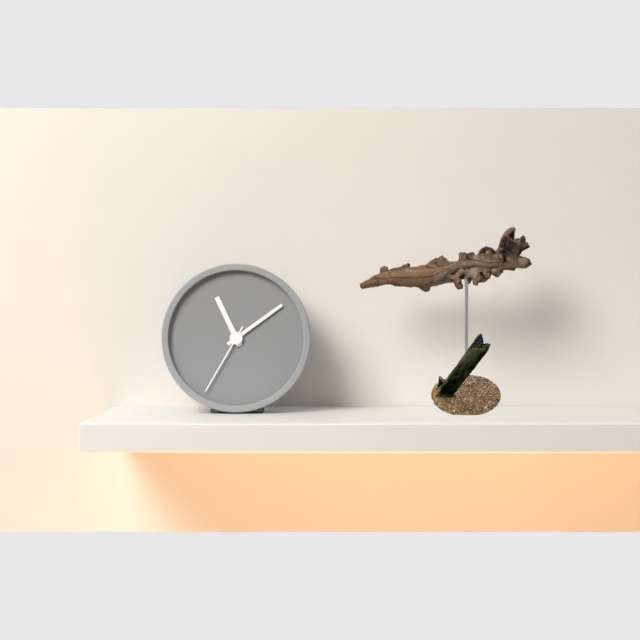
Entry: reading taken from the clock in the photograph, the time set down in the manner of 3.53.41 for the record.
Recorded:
11.09.35
